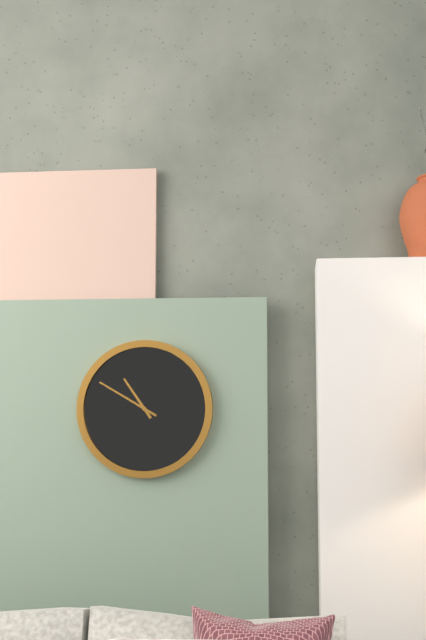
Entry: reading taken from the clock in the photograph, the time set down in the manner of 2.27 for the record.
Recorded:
10.50
